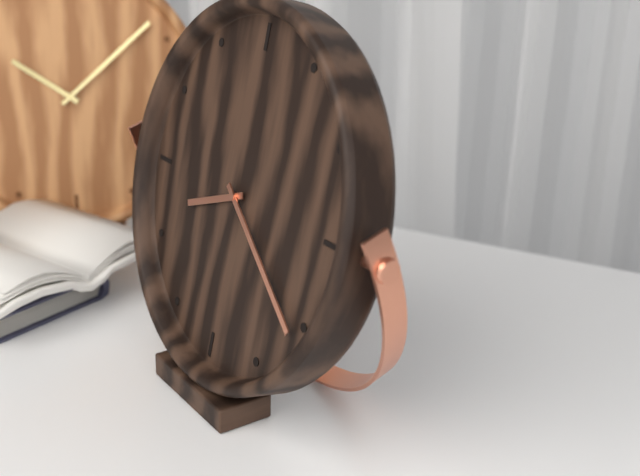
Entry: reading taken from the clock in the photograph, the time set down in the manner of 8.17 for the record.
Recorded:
8.21
